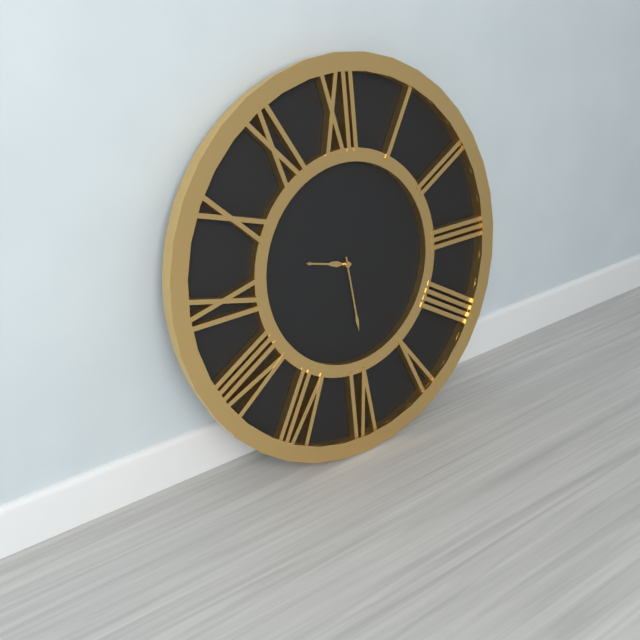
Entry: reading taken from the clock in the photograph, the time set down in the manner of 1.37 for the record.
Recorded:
9.29
